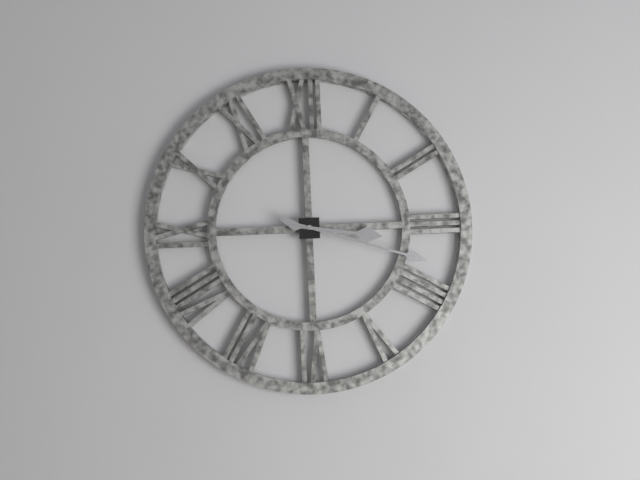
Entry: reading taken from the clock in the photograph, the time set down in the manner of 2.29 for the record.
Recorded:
3.18
